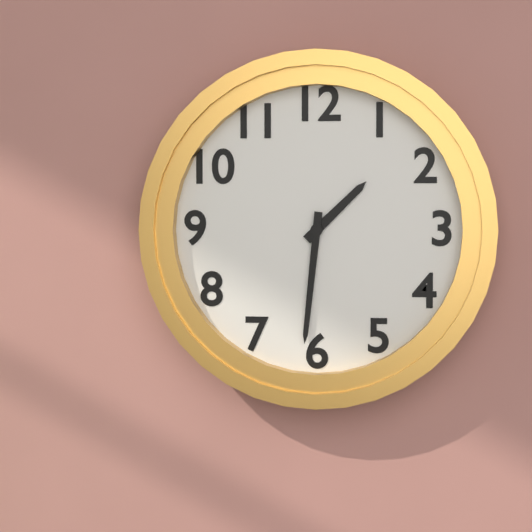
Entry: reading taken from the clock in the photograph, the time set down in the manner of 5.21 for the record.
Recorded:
1.31
